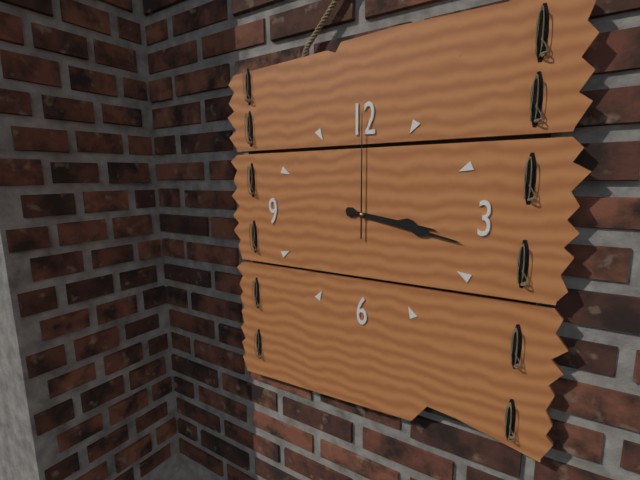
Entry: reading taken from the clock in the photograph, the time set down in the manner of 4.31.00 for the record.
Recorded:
3.17.00
